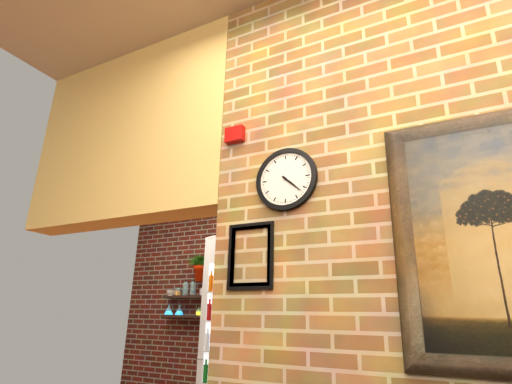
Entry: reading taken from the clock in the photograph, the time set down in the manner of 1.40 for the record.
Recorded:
4.22
